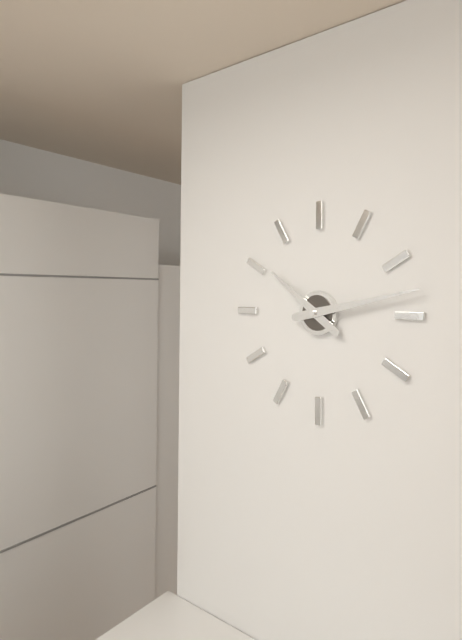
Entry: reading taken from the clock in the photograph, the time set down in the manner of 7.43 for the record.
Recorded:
10.13
